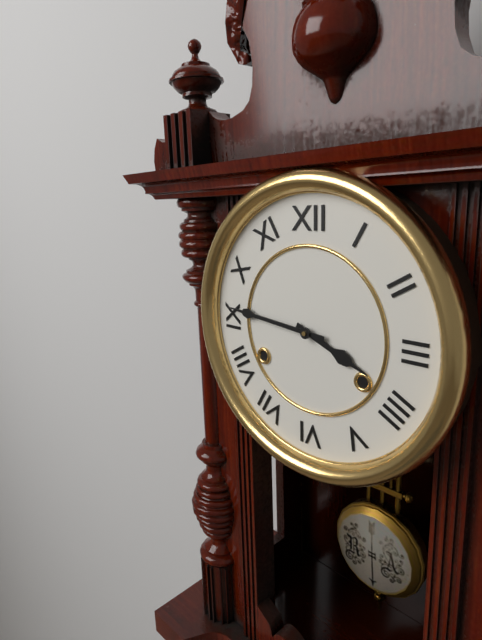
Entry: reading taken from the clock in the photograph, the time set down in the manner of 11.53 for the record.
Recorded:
3.46
